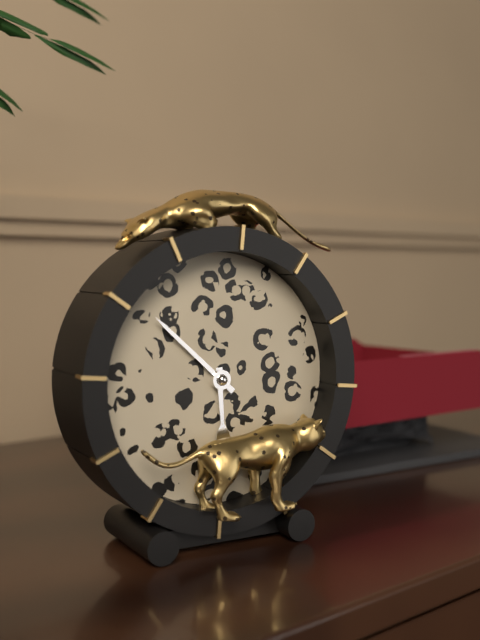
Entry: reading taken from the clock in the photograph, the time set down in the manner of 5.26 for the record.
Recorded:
5.52
